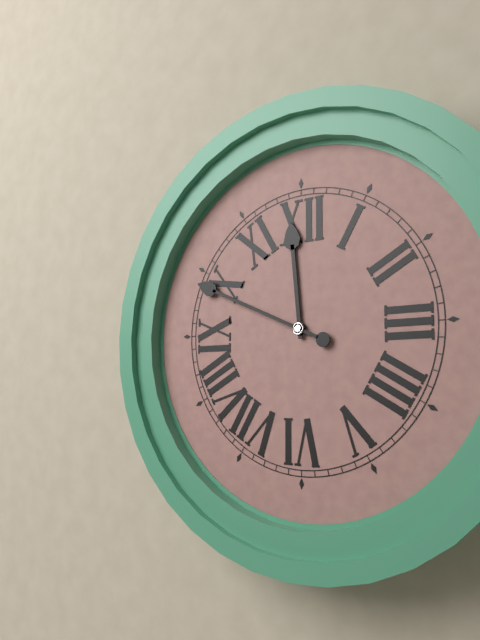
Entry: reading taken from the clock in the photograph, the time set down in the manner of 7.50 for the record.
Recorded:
11.49
